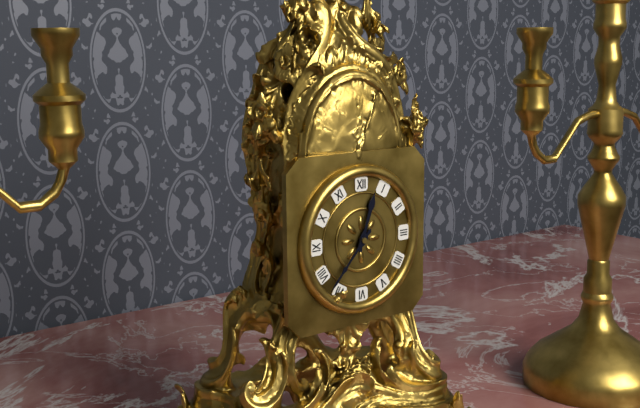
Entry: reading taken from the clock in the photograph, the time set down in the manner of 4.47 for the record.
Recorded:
12.37
